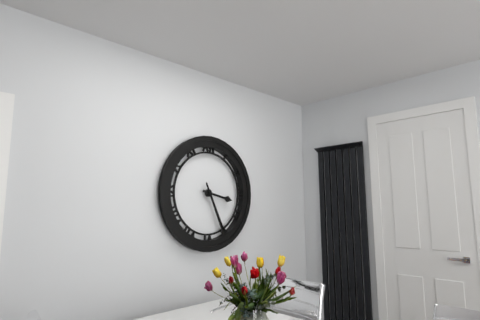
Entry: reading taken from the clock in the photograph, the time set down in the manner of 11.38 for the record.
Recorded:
3.26
